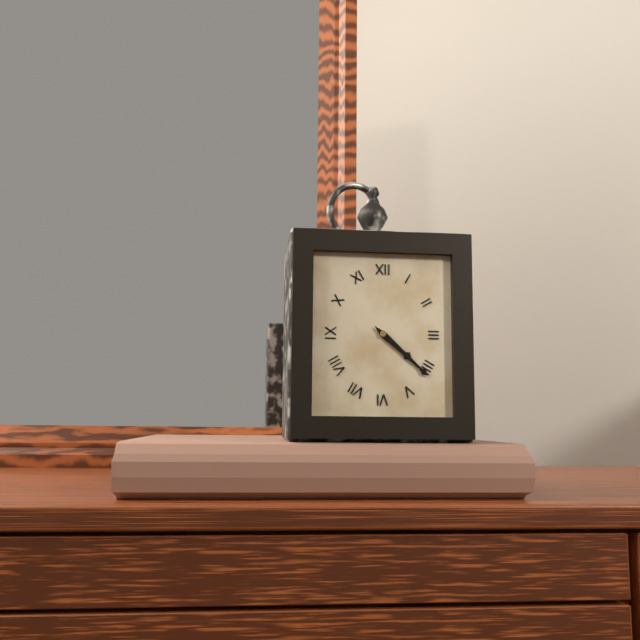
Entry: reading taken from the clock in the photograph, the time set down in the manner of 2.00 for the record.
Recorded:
4.22
